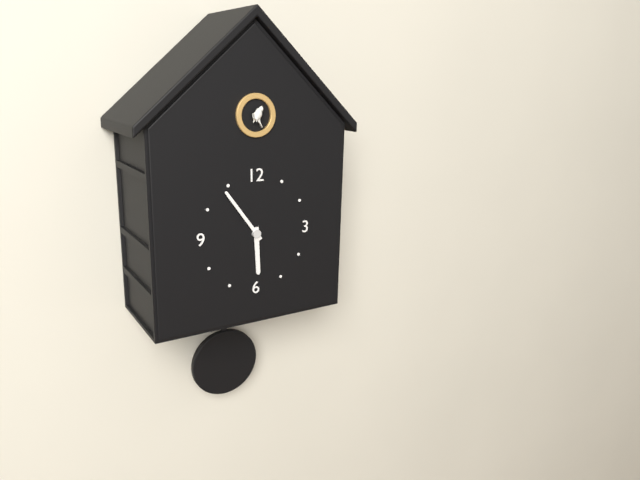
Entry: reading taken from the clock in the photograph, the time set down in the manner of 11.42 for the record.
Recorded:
5.54
